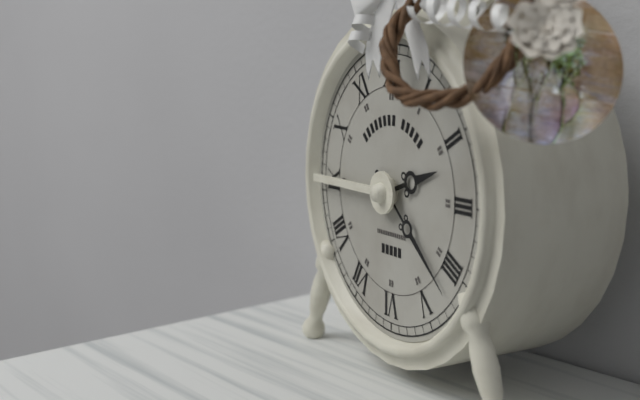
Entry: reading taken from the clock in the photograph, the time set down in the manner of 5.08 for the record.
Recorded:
2.22
